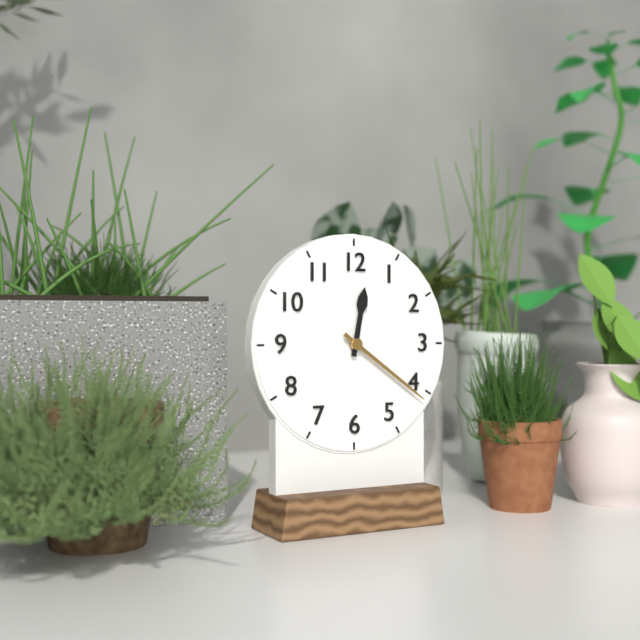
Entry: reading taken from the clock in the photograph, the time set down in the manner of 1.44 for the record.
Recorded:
12.21
